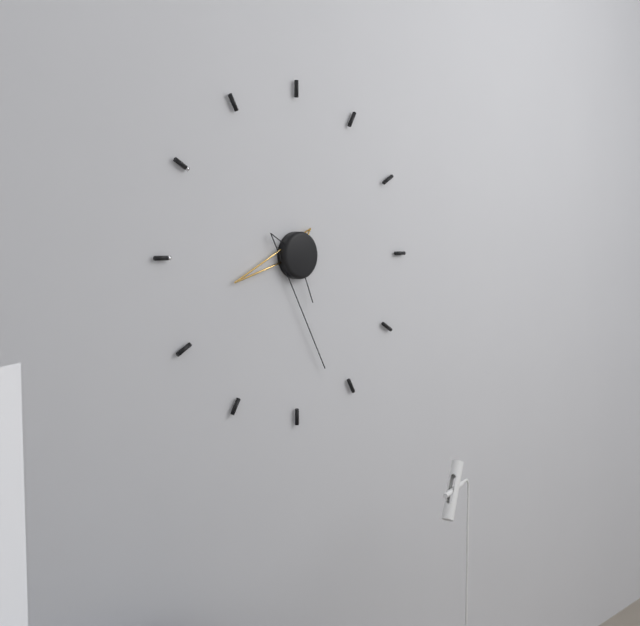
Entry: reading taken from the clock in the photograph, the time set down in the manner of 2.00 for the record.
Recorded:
8.27
